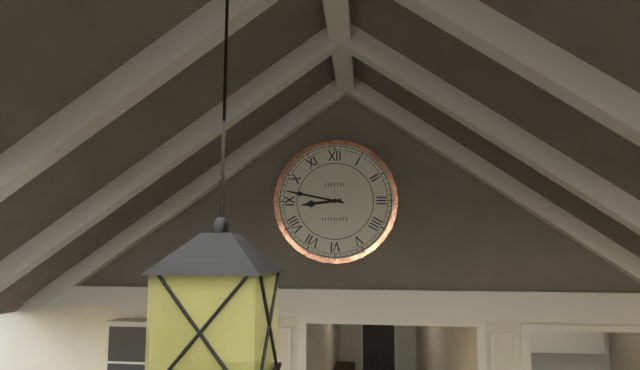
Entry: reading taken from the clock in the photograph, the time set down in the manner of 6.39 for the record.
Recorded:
8.47
